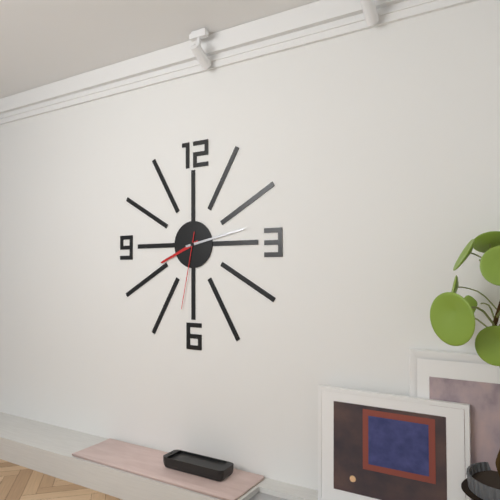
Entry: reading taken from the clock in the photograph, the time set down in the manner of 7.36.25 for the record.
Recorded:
8.13.32
